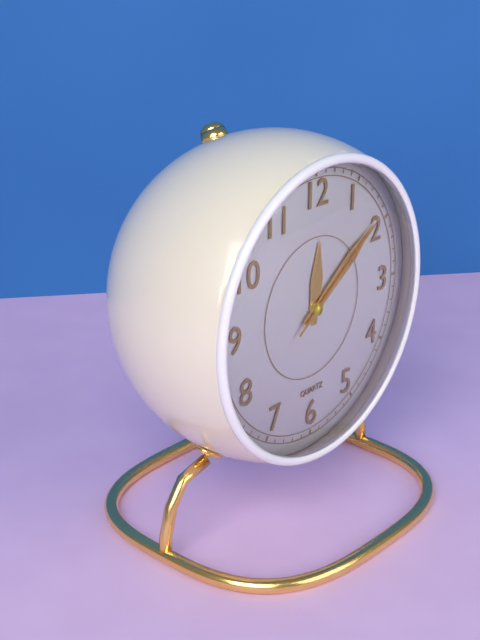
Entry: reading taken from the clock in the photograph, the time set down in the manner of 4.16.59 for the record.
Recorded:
12.09.09
